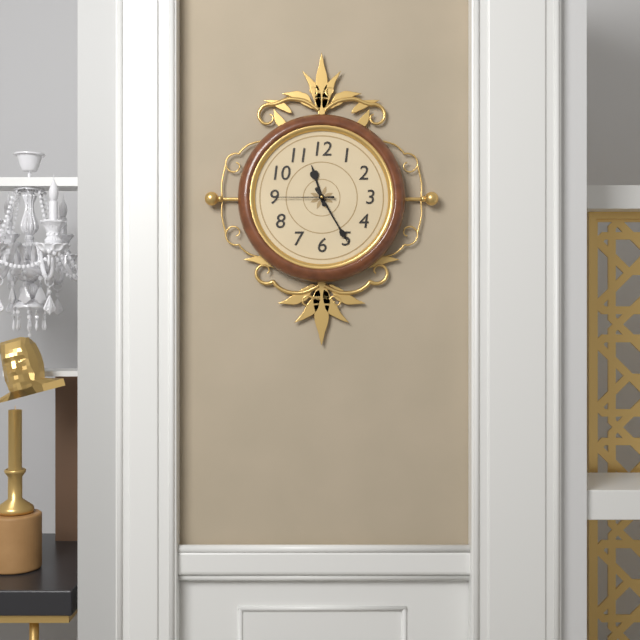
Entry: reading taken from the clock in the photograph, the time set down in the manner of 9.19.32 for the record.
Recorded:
11.25.45
